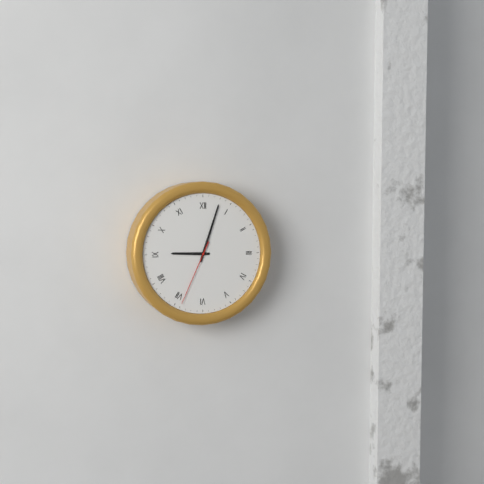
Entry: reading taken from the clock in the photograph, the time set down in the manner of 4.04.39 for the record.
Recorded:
9.03.34
